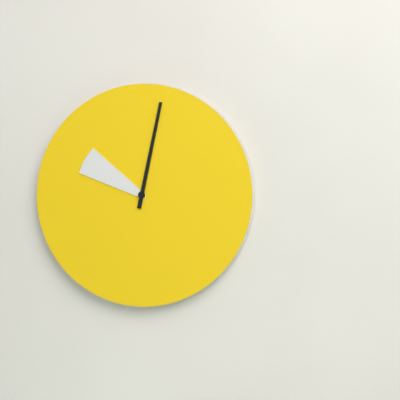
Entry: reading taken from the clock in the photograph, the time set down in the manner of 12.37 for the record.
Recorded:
10.02
